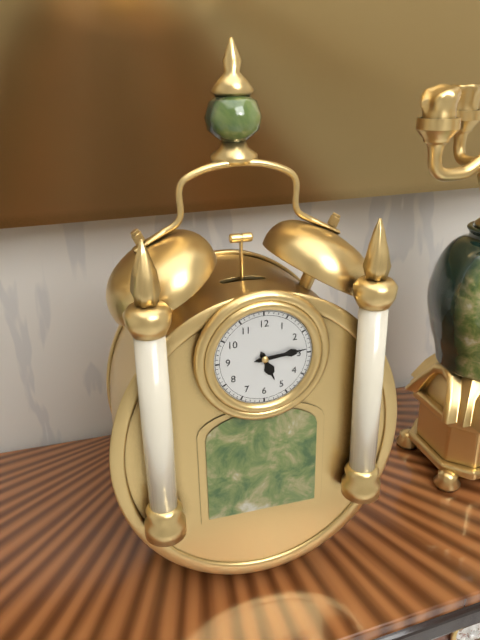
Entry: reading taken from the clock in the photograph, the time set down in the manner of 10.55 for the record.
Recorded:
5.14
